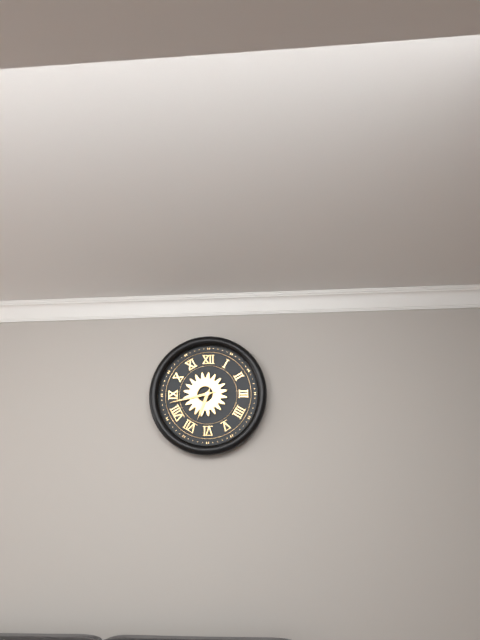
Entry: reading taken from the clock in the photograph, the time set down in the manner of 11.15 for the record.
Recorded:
6.43
